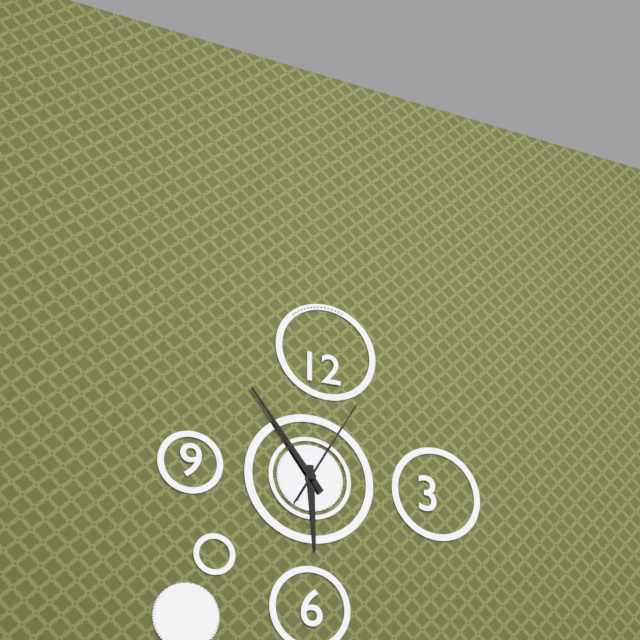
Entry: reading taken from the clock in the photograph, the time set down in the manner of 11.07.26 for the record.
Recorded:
5.54.05
